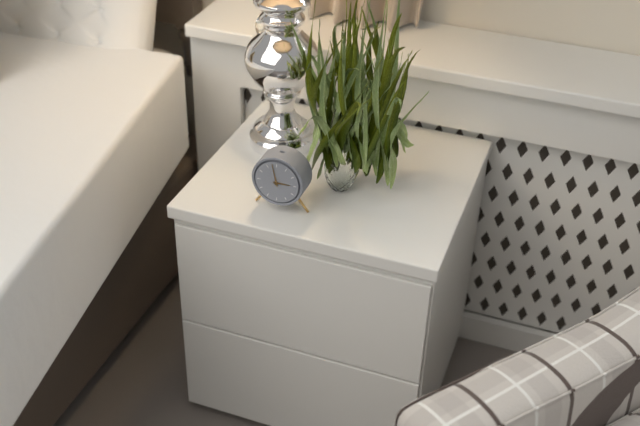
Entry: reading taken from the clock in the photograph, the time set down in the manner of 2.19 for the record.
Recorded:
2.58
